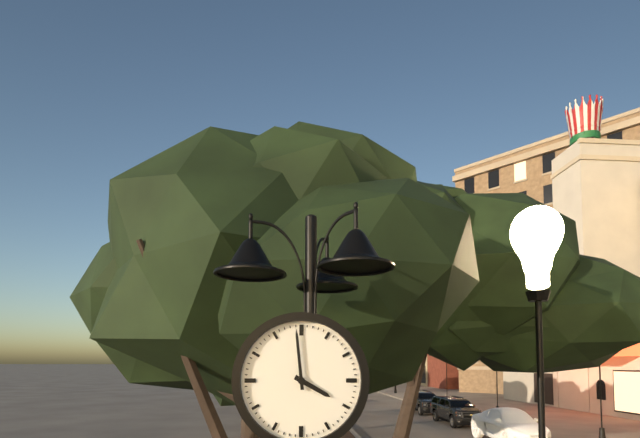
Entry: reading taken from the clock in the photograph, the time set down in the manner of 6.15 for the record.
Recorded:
3.59
